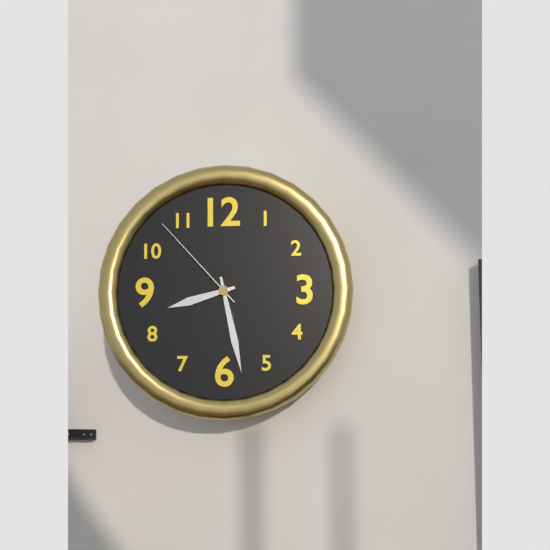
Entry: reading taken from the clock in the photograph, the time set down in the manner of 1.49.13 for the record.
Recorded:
8.28.53
